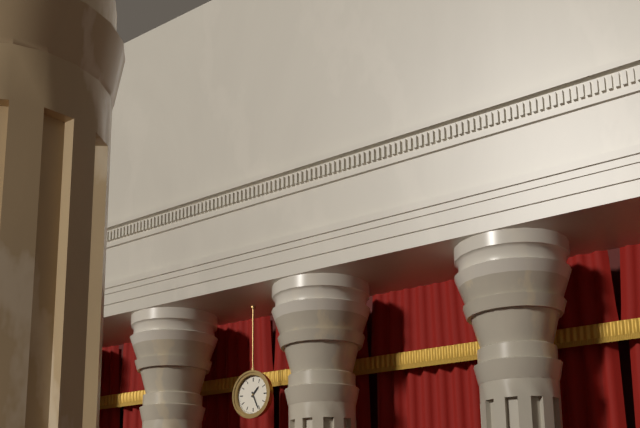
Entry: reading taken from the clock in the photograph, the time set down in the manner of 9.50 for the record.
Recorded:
1.26
